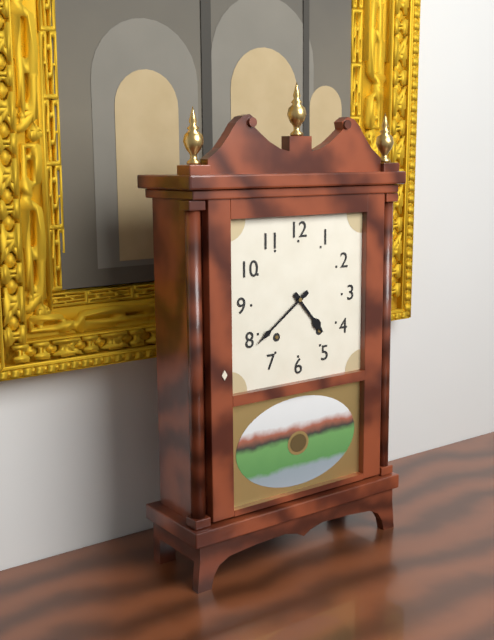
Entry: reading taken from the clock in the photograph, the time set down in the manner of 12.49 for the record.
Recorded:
4.39
